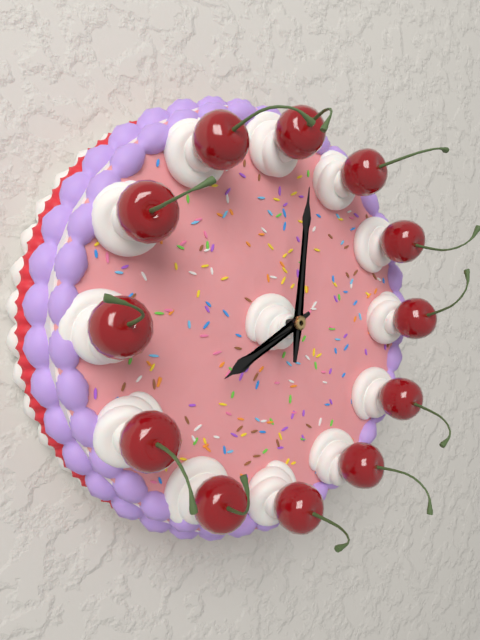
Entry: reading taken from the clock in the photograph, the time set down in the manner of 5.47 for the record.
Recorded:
8.01
